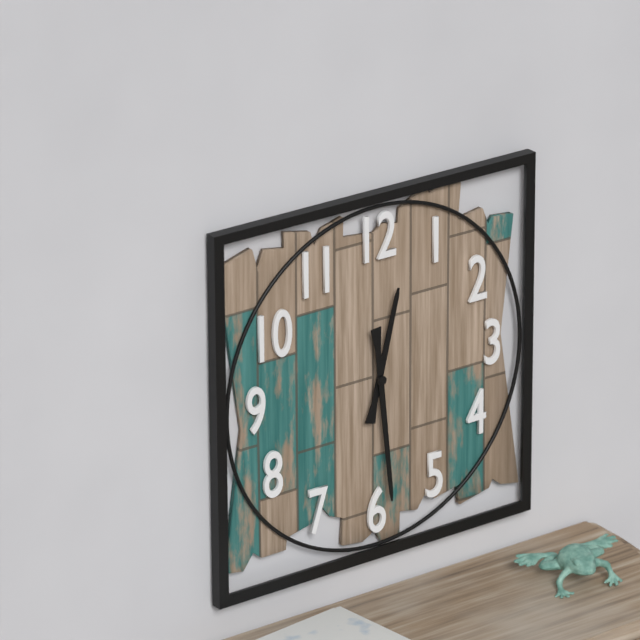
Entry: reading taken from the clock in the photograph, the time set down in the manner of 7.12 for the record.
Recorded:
12.29
